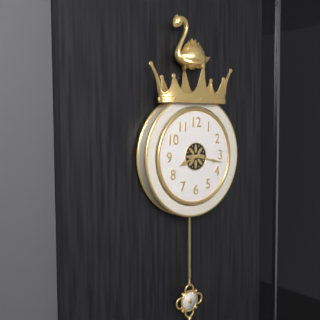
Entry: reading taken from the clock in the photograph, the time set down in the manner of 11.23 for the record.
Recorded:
8.17
